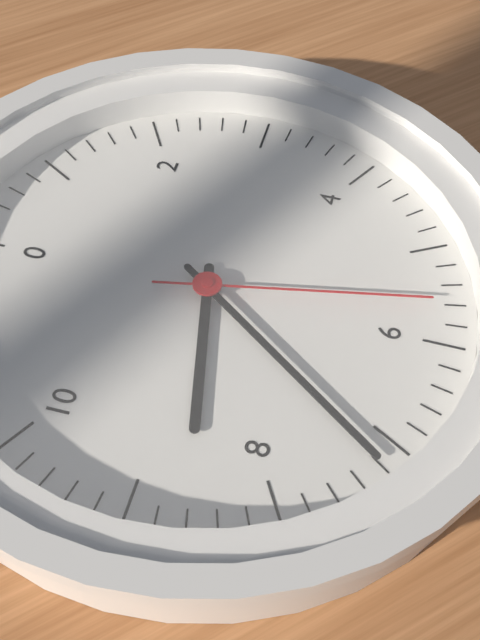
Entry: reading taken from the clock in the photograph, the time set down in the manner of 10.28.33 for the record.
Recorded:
8.36.28
